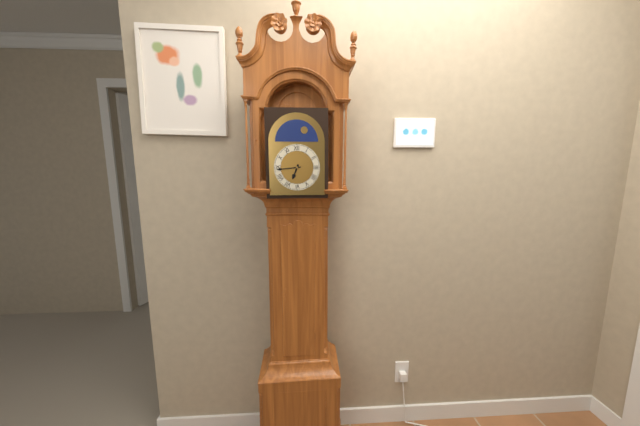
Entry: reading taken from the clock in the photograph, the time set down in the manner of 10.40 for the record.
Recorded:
6.44
